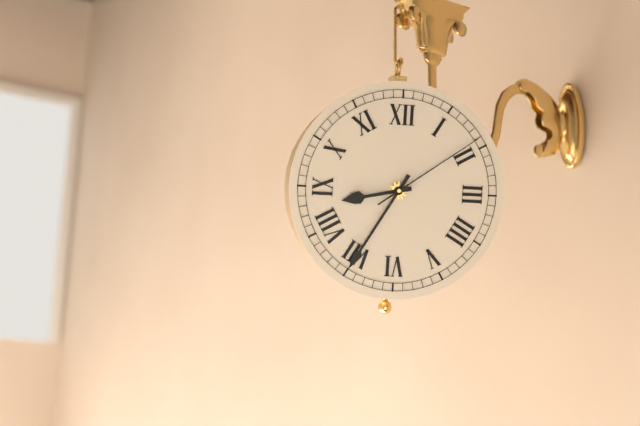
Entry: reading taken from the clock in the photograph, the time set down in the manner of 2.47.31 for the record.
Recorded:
8.35.09
